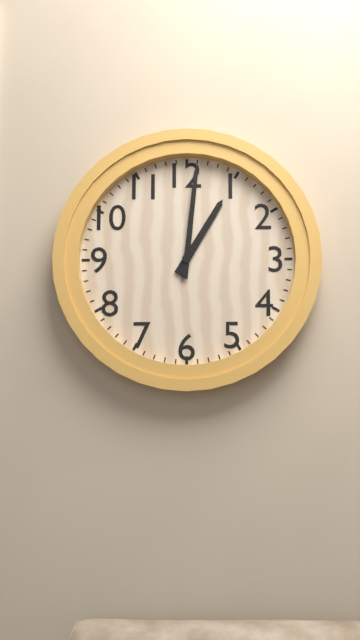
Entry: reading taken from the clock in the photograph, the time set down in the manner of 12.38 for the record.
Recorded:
1.01
